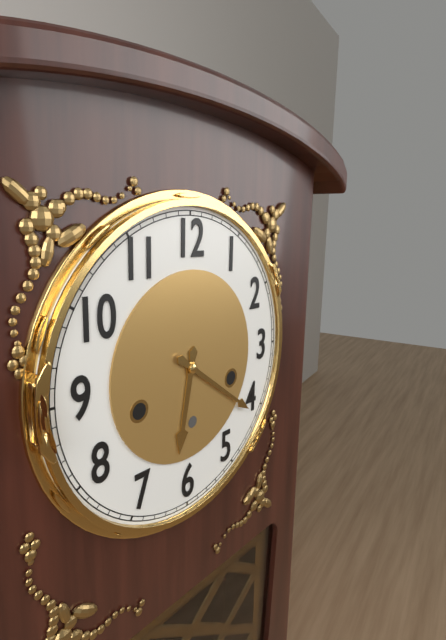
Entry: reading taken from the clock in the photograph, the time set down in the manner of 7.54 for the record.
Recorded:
6.21
